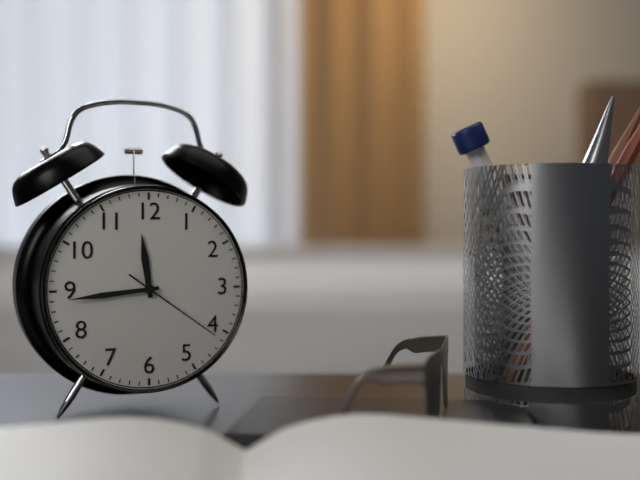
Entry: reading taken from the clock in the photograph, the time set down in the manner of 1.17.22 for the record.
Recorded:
11.44.21
